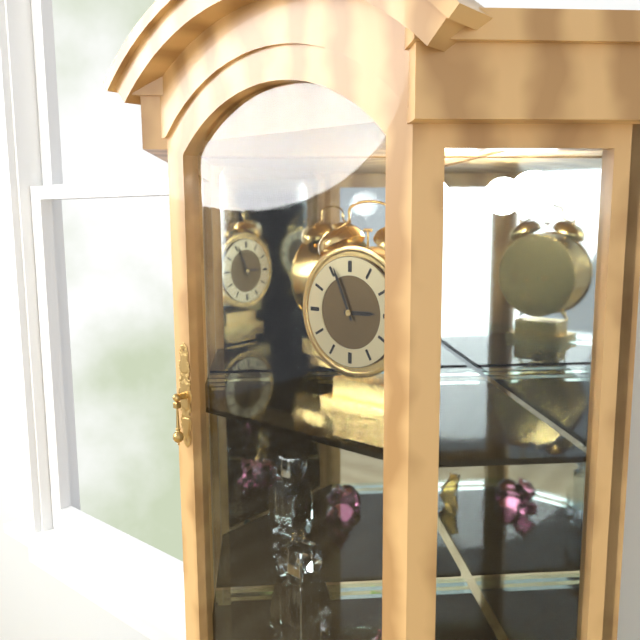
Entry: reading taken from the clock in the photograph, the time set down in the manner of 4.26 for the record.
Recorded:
2.56
